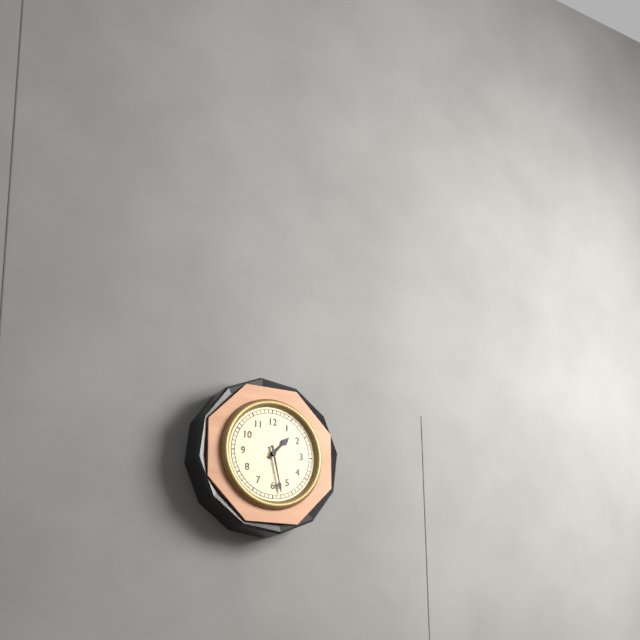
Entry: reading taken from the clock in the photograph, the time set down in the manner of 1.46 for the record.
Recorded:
1.28
